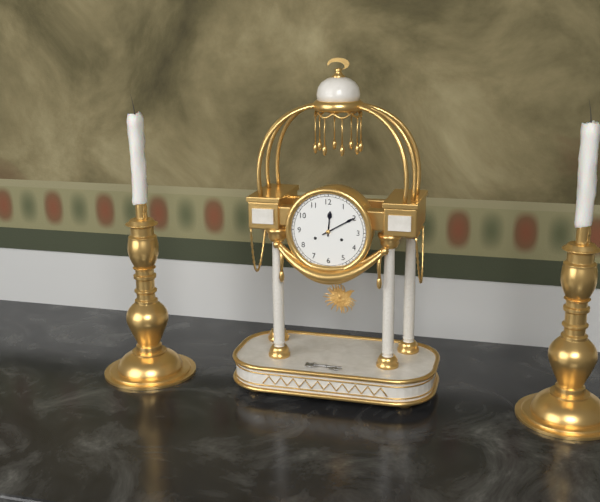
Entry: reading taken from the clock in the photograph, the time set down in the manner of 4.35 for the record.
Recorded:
12.10
